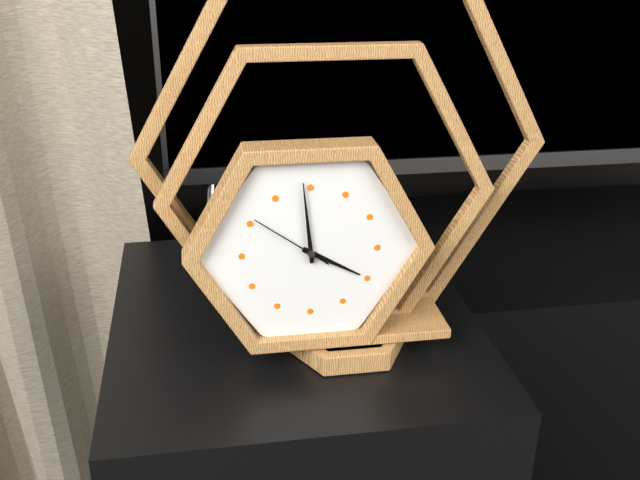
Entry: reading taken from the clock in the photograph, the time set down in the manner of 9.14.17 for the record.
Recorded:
3.59.51
